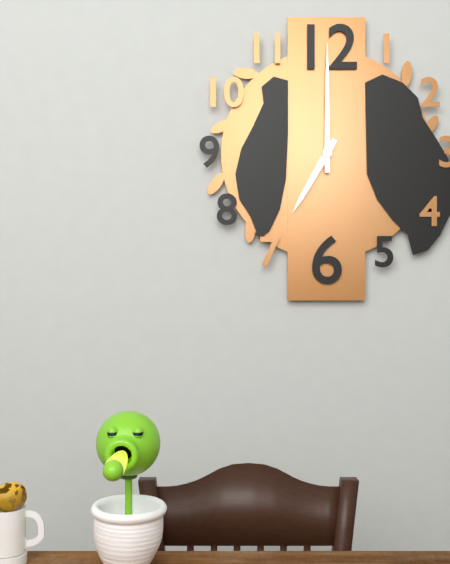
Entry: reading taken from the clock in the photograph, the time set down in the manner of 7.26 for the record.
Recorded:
7.00
